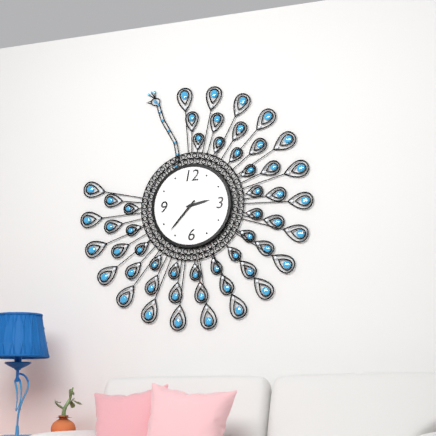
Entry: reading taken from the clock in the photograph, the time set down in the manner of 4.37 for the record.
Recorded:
2.37
